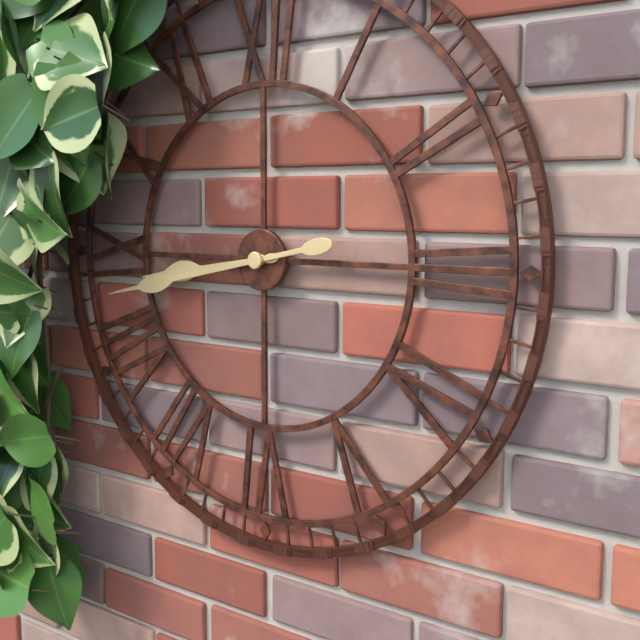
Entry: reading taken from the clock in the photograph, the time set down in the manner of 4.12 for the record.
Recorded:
8.43
